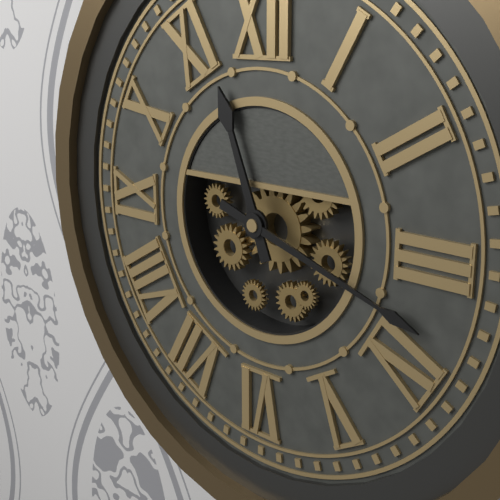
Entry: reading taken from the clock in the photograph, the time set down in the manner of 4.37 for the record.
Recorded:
11.18
